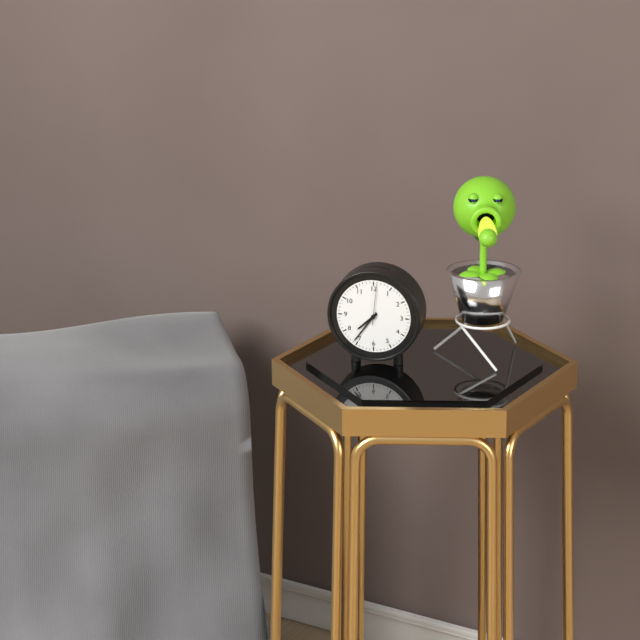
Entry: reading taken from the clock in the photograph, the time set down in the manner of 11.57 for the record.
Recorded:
7.36
